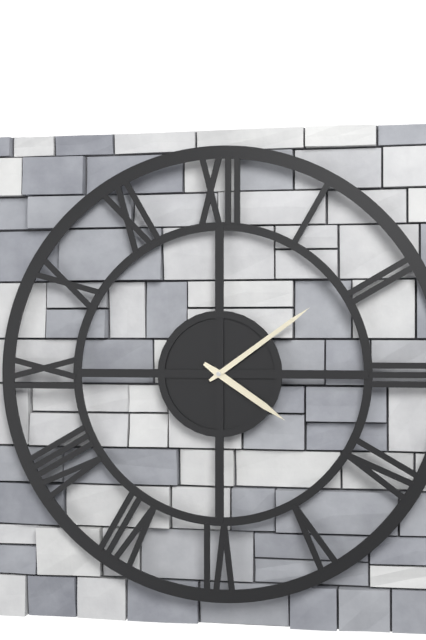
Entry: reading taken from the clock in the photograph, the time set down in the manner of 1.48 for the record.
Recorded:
4.09
